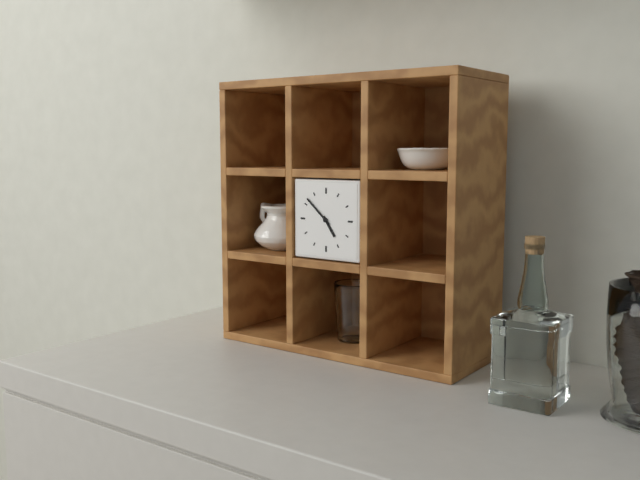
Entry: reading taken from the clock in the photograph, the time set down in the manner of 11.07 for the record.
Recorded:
4.52
